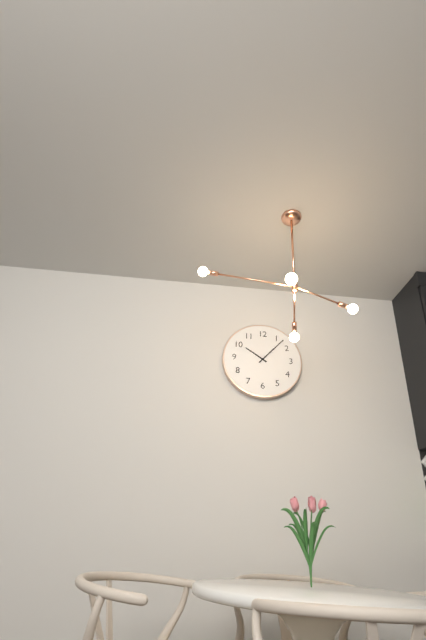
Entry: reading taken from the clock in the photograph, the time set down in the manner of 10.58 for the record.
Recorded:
10.07
